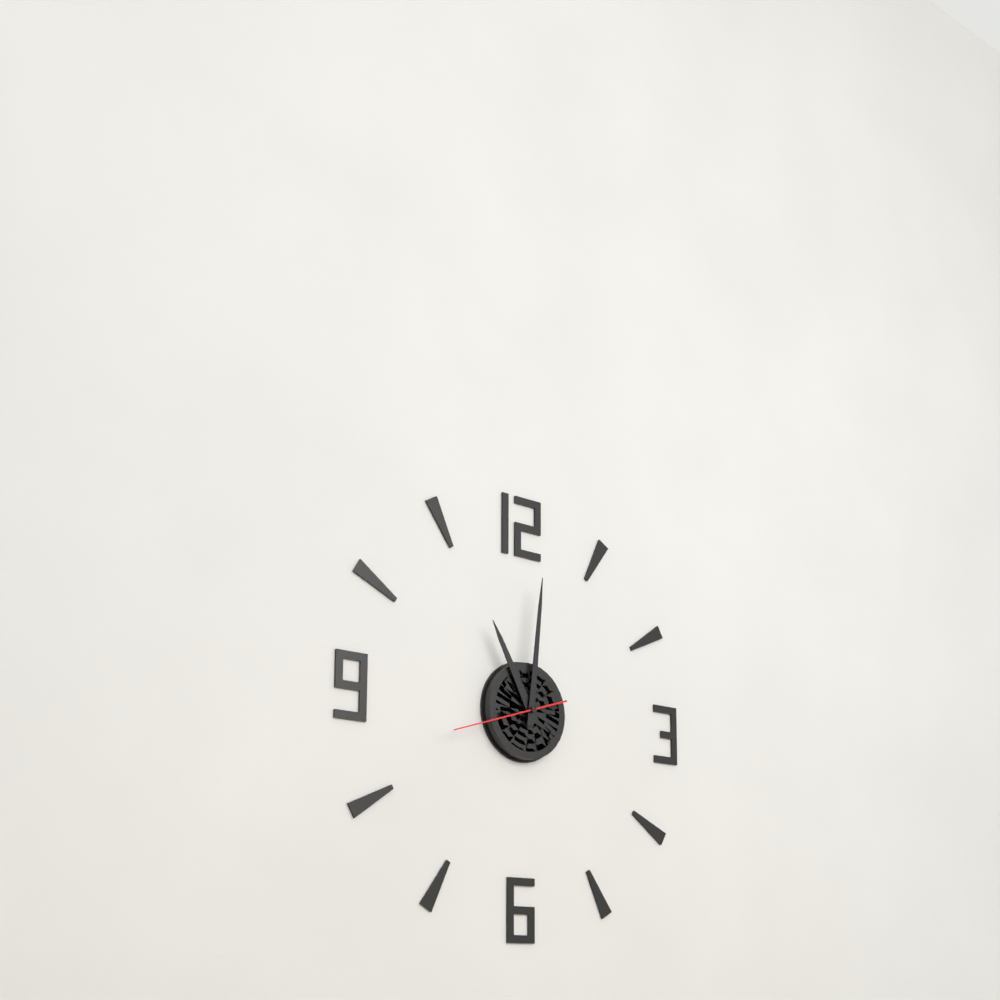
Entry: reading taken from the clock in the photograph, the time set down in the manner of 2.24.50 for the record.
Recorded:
11.01.42
